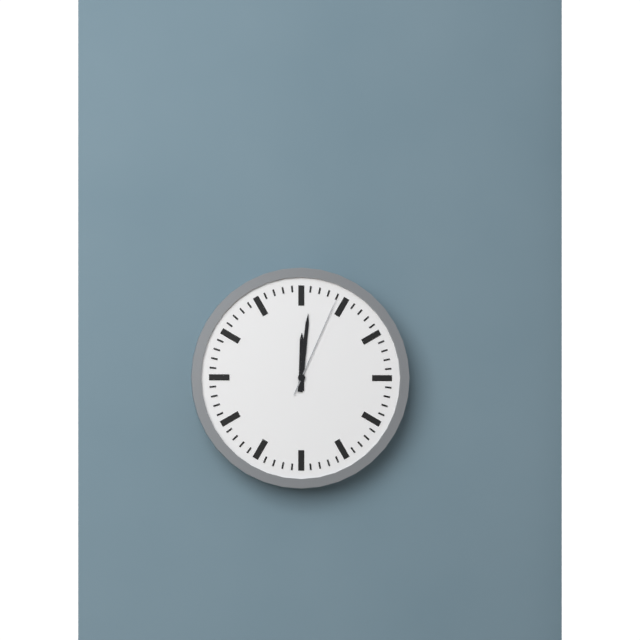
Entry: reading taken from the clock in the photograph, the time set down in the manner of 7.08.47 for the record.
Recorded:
12.01.04
